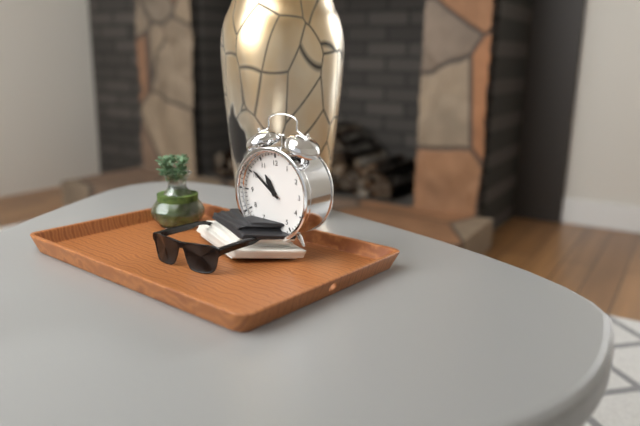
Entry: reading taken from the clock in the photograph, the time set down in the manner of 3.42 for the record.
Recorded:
10.51
